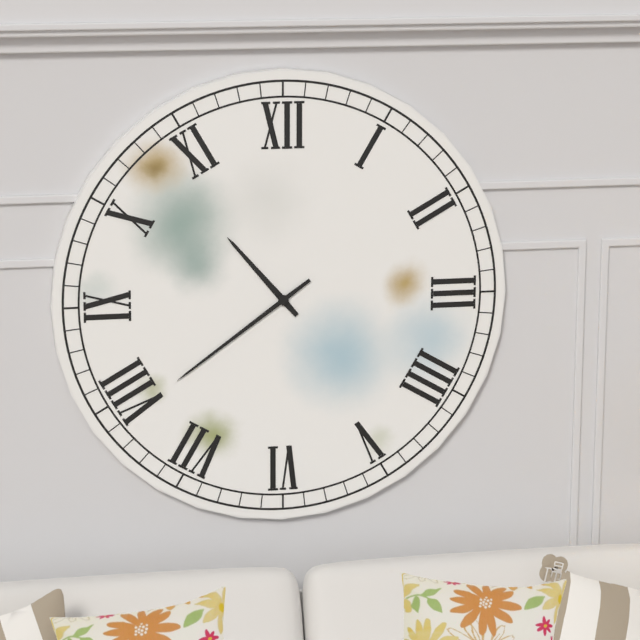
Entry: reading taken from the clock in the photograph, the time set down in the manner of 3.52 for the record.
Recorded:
10.39
